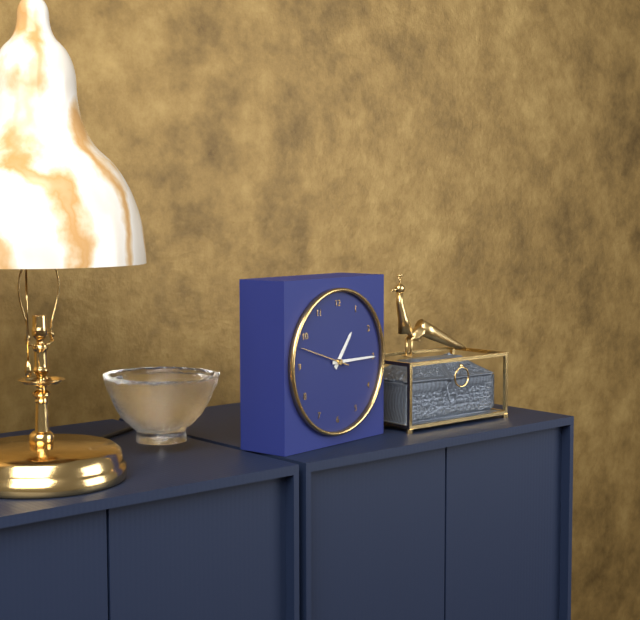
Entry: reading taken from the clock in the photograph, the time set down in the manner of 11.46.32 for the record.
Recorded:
1.15.48
